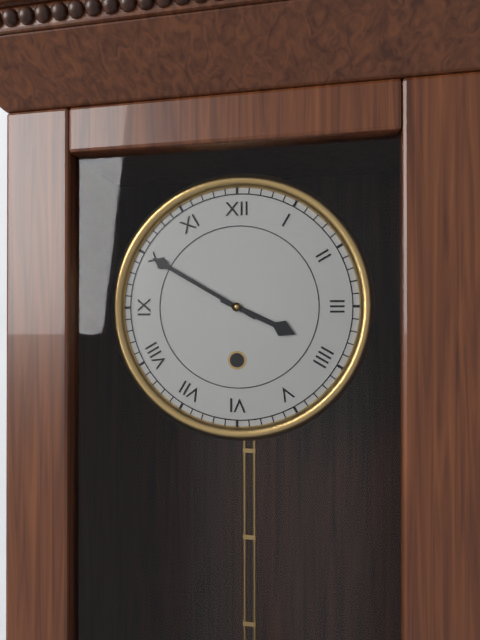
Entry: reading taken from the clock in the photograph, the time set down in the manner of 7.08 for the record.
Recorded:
3.50
